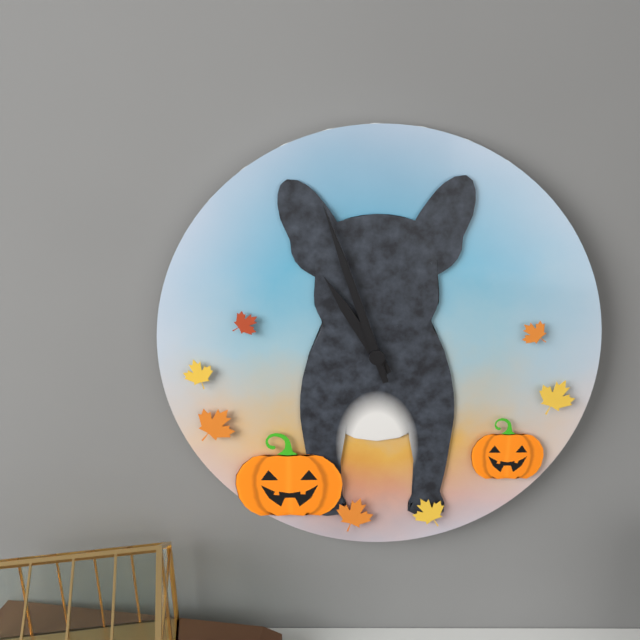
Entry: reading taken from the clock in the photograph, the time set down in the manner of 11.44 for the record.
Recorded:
10.57
